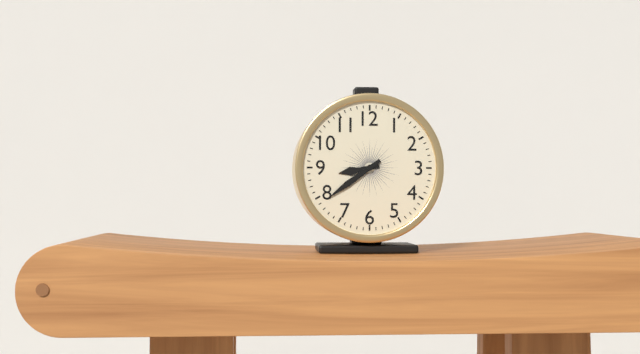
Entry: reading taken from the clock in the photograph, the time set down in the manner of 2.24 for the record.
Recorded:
8.39
